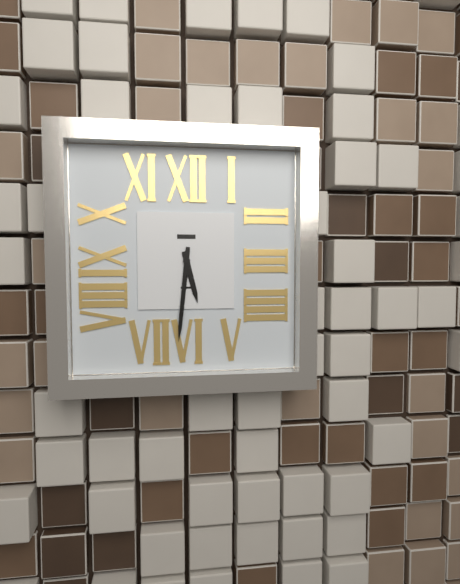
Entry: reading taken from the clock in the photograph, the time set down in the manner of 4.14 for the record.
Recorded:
5.31
